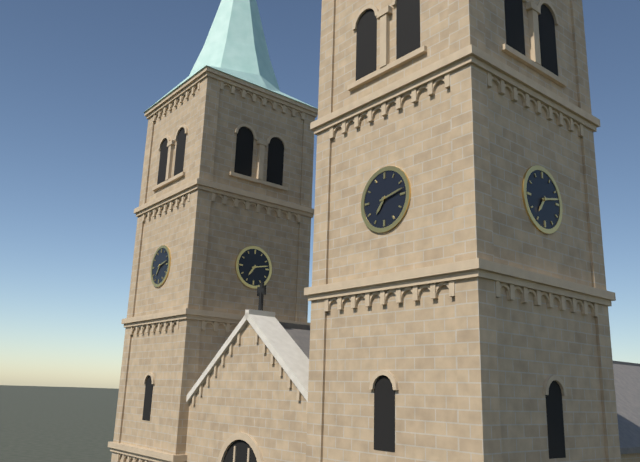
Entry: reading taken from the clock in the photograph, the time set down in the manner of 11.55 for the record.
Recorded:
7.13
